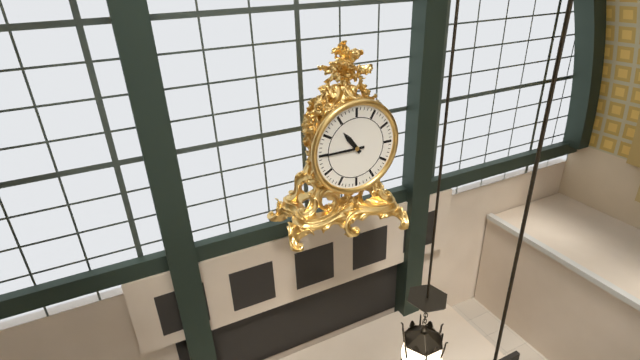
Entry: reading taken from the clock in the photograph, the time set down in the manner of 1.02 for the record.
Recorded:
10.45
